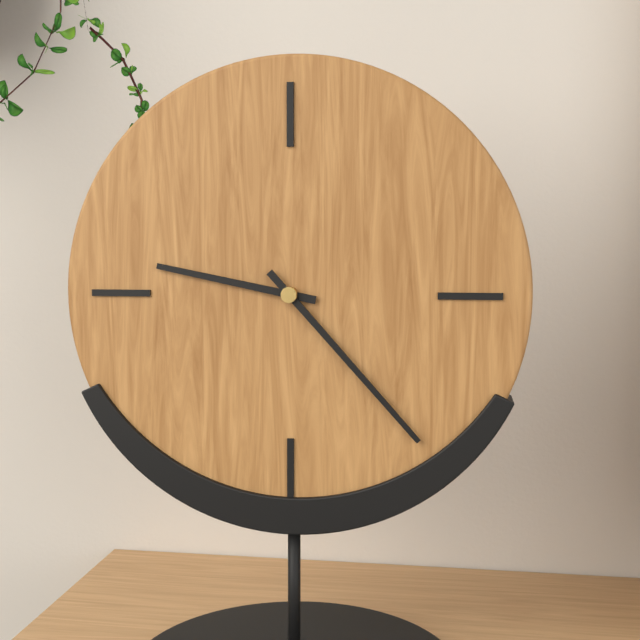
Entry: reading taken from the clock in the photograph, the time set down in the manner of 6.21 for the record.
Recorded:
9.23
